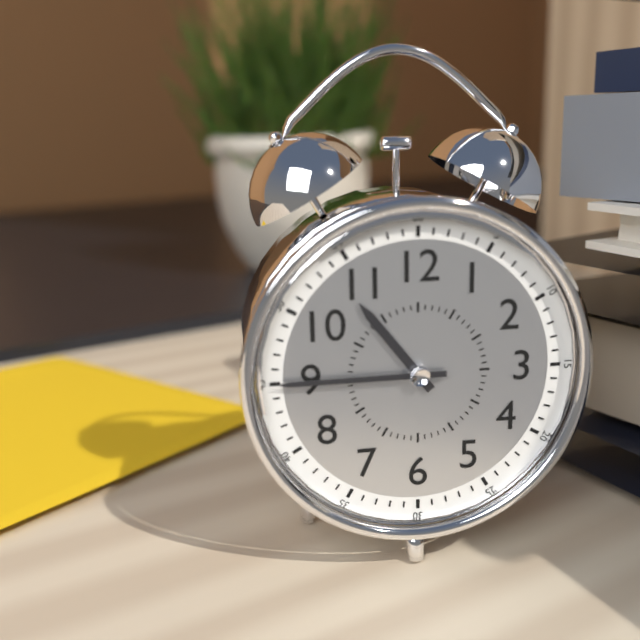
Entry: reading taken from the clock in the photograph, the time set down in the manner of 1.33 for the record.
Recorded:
10.45
